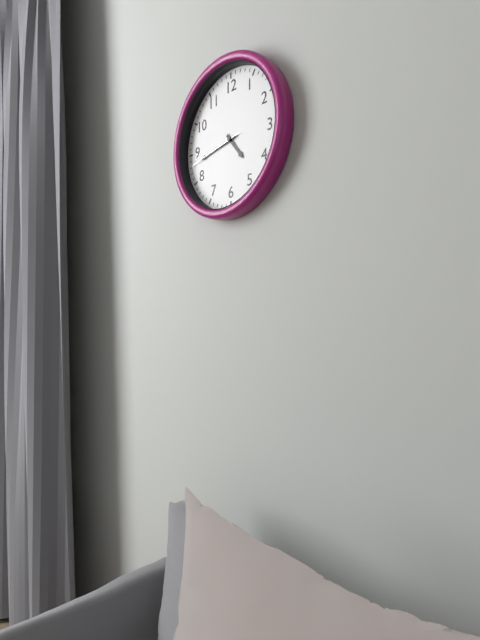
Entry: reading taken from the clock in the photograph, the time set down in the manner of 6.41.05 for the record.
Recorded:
4.43.43
